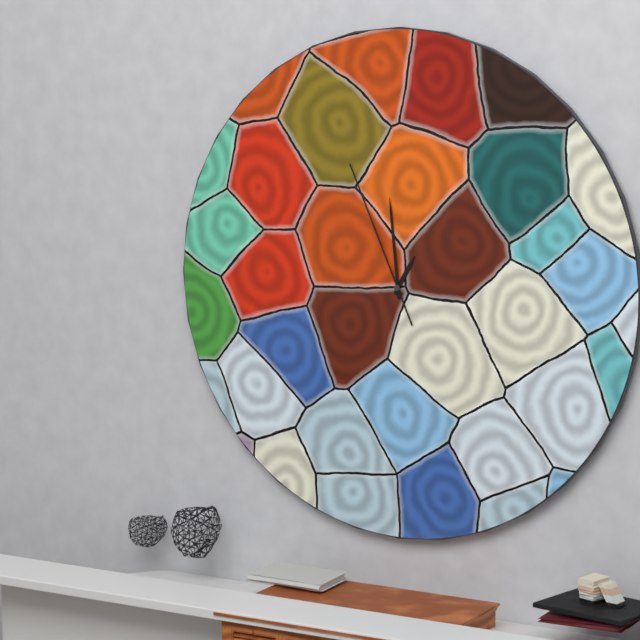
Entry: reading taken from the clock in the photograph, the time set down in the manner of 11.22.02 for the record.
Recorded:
12.59.56
